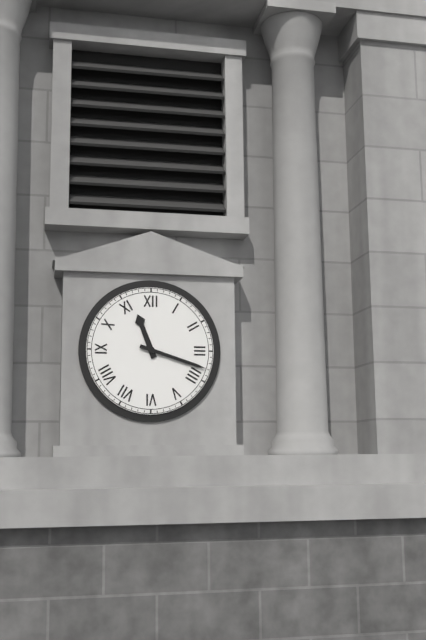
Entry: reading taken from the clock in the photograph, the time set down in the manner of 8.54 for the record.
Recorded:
11.18
